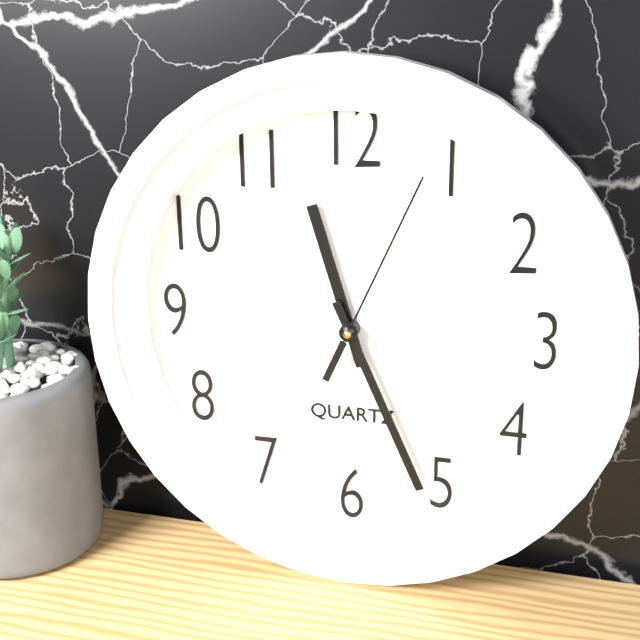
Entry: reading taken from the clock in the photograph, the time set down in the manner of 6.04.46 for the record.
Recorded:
11.26.04
